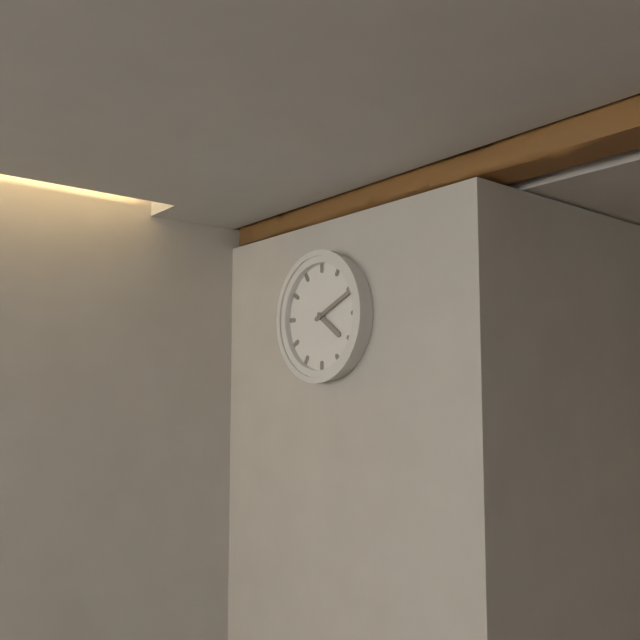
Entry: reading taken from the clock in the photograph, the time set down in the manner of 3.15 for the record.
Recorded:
4.11
